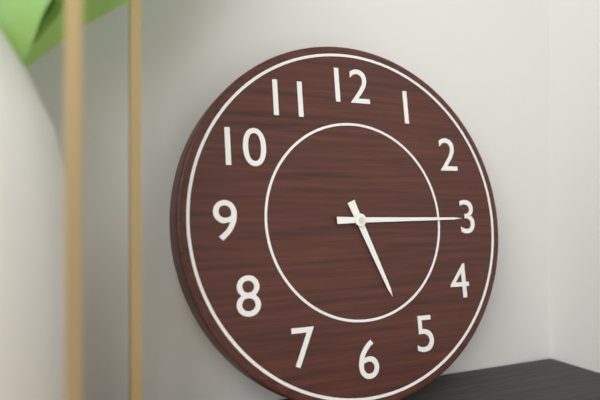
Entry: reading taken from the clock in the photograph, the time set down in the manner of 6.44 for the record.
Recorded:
5.15
